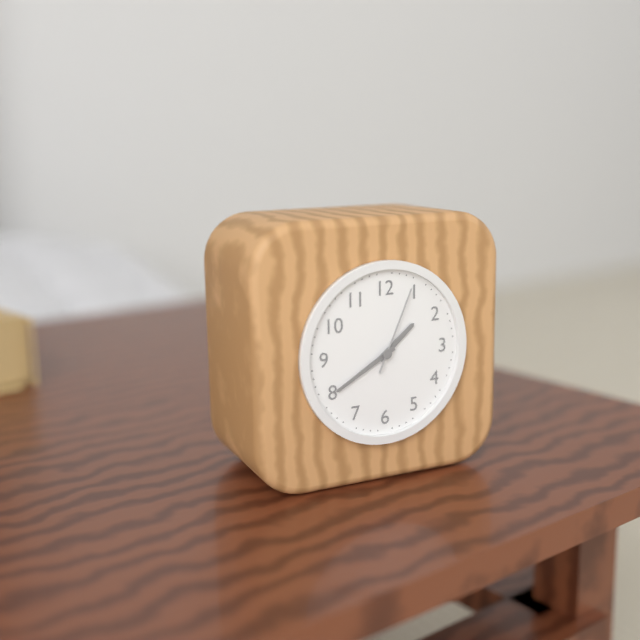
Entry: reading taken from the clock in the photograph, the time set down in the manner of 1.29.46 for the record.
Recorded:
1.40.04
